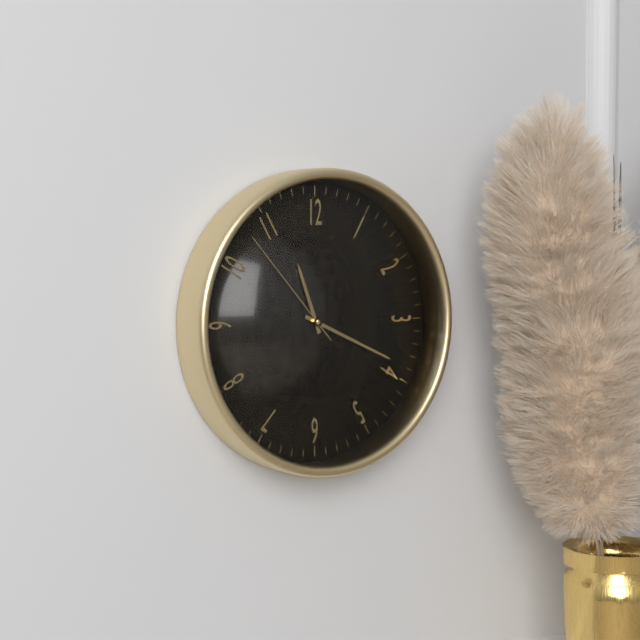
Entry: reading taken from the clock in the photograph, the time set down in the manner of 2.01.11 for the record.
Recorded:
11.19.53
